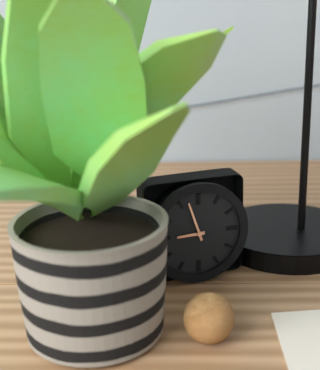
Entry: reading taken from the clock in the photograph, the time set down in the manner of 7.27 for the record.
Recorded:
8.57
